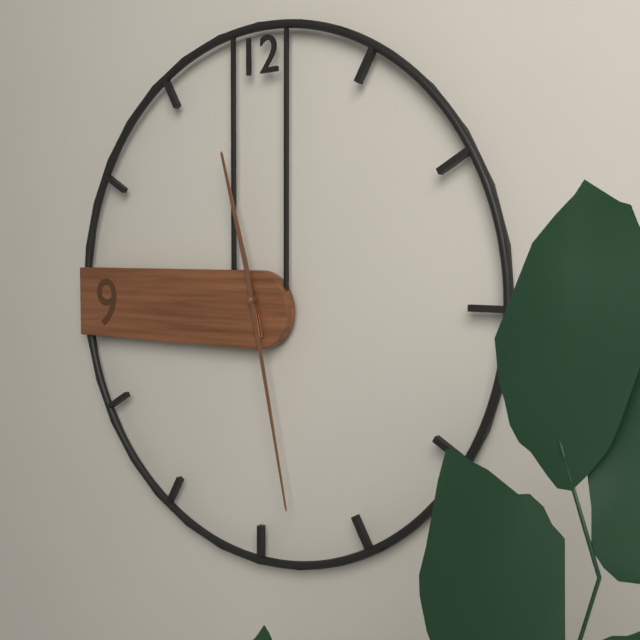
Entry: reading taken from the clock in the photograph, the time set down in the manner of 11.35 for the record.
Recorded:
11.28
